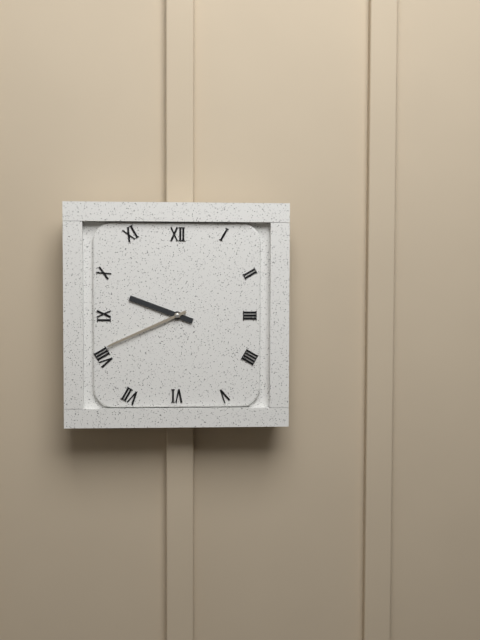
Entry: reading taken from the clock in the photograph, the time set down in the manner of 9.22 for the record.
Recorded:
9.41
